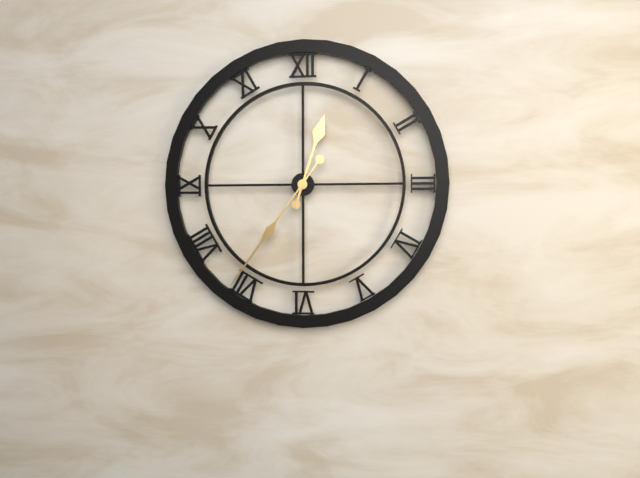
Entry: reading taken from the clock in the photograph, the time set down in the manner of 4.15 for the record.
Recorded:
12.36
